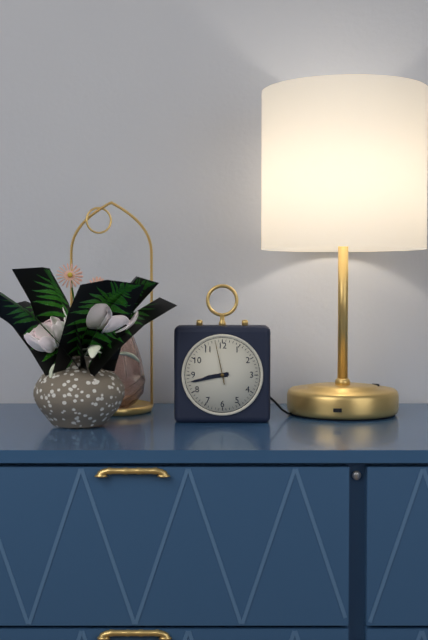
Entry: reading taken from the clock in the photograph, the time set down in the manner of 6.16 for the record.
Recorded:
8.43
